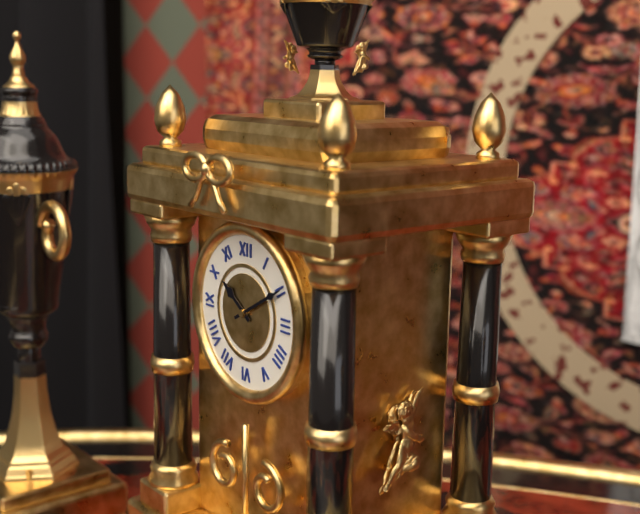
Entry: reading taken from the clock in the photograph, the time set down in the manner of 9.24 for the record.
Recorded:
10.10
